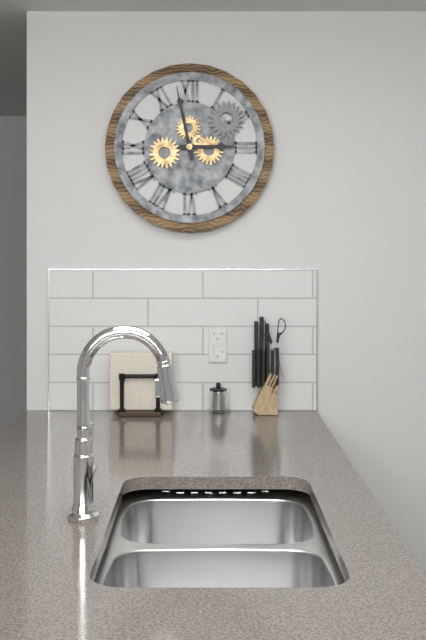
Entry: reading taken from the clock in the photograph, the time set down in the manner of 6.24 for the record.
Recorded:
2.58
